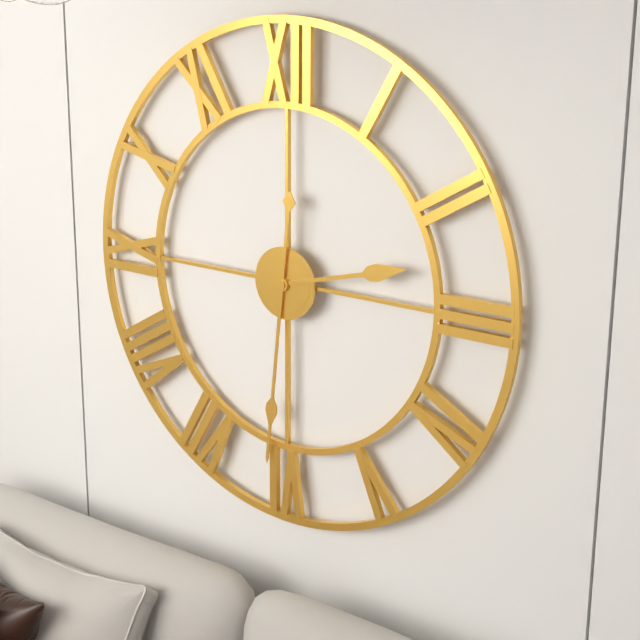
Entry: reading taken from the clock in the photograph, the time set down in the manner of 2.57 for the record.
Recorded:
2.31
